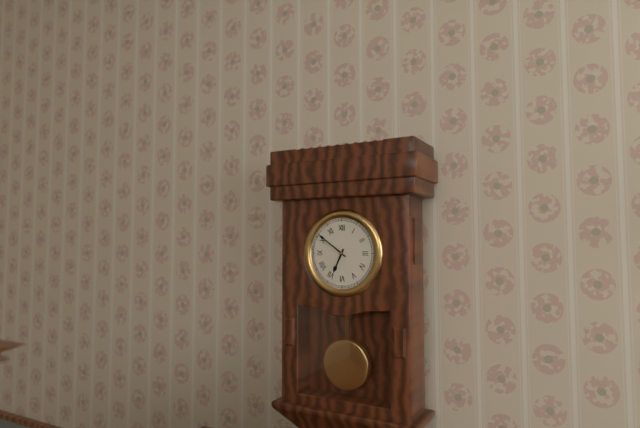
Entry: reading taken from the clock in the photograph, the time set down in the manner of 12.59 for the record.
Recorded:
6.51
